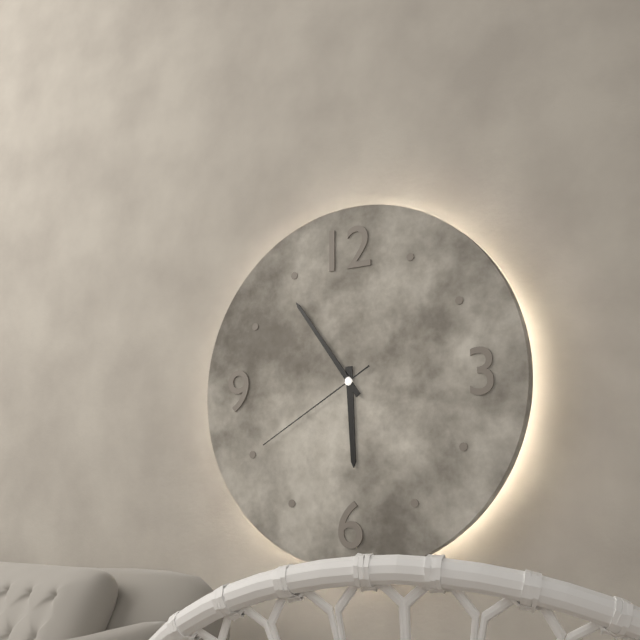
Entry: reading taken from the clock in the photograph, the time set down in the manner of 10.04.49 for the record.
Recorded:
5.54.40
